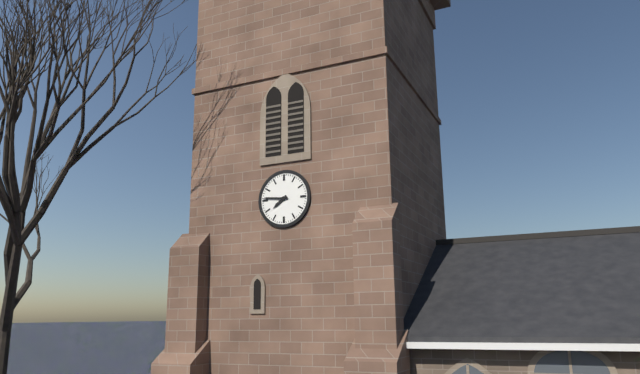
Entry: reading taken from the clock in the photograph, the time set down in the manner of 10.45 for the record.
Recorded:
7.46
